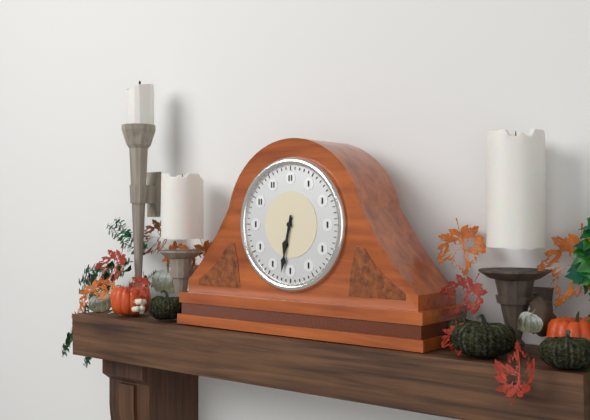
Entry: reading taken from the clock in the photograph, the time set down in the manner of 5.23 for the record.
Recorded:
6.32
